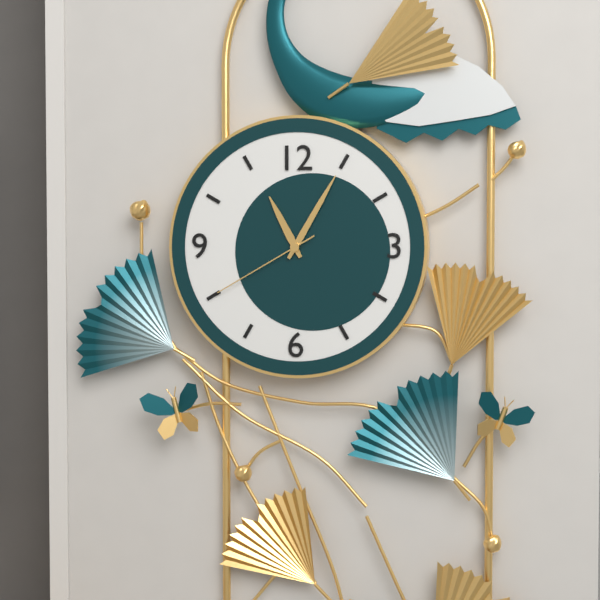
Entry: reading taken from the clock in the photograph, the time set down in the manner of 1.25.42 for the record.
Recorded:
11.05.40
